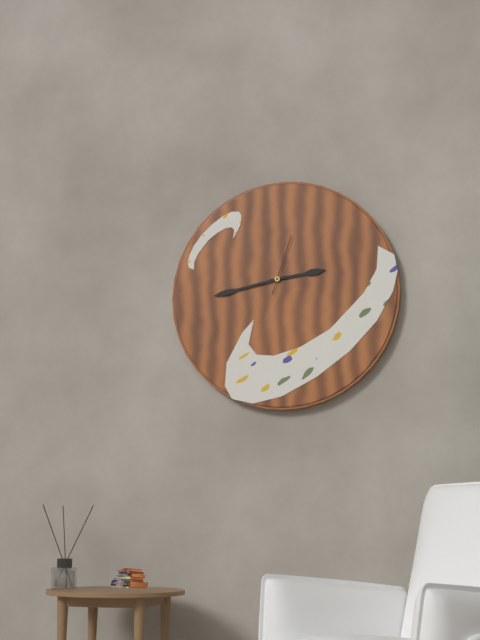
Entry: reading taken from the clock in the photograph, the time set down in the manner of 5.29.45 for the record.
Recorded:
2.43.03
